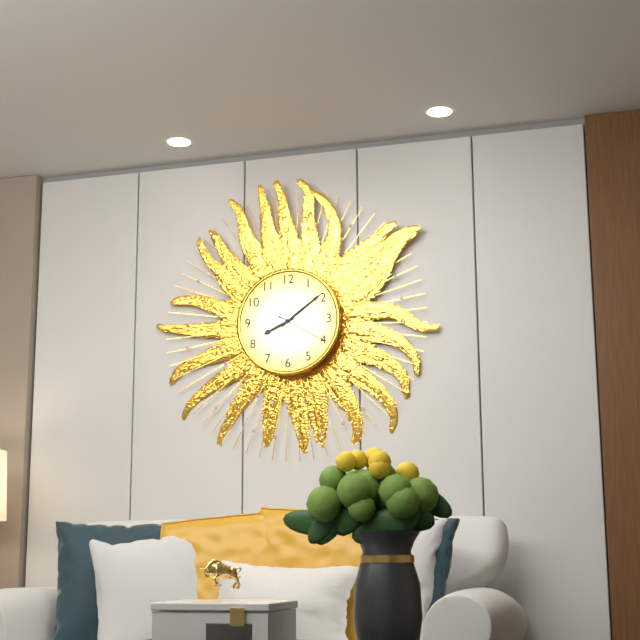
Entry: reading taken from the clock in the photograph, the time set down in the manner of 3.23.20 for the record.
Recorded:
8.09.20
